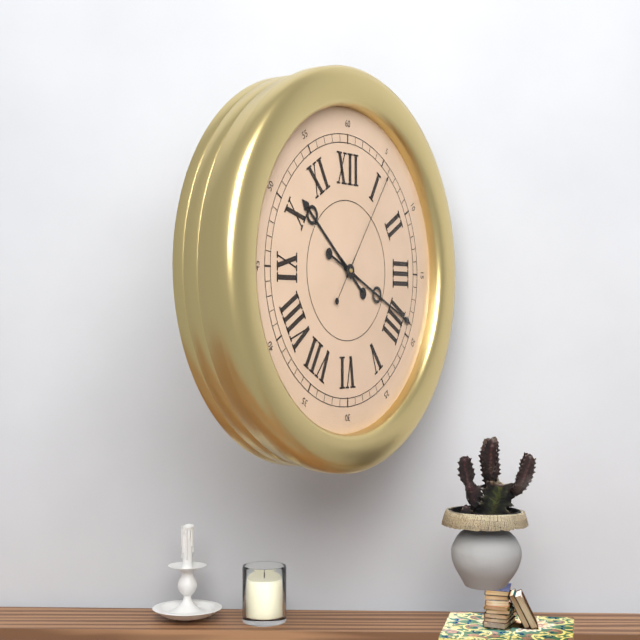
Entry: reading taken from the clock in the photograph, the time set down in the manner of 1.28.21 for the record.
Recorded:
10.19.06
